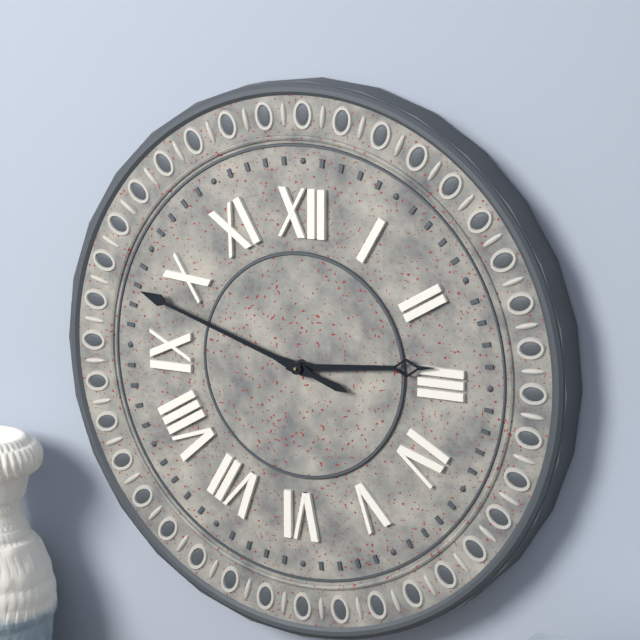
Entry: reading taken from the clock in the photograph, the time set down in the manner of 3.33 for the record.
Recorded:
2.48
